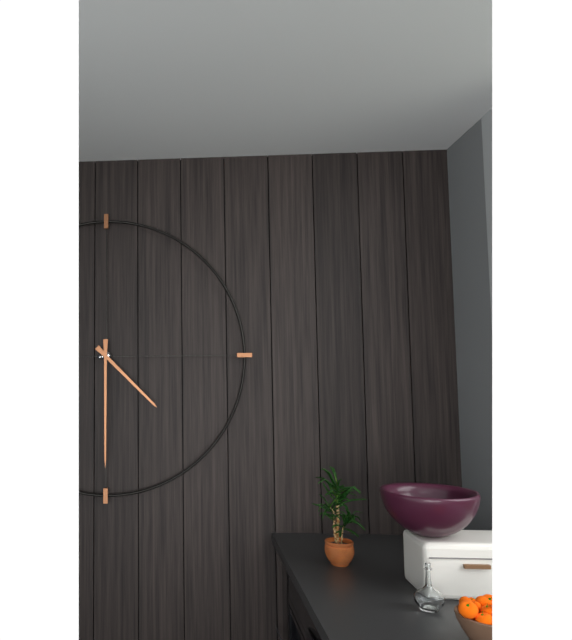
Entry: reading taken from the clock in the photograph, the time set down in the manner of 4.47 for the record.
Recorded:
4.30
